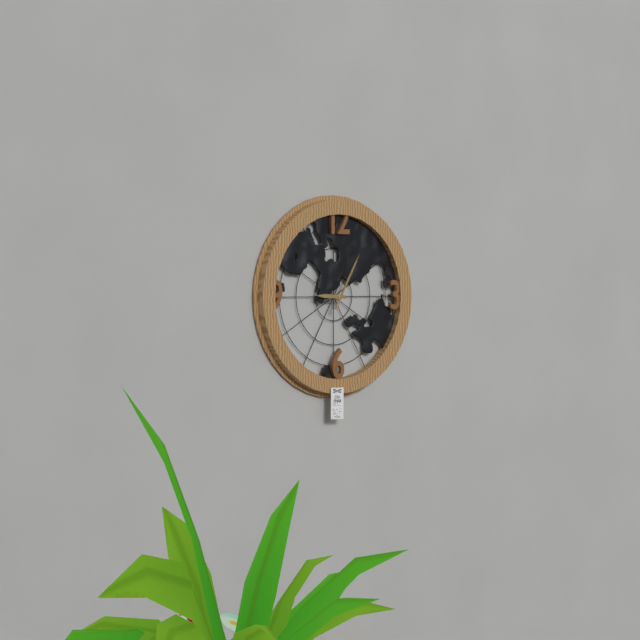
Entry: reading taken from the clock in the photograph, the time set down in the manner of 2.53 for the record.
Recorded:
9.05
